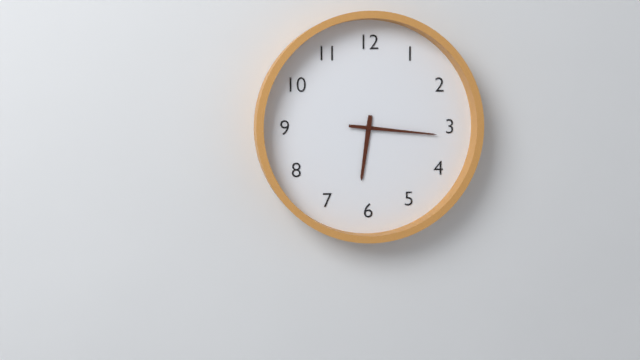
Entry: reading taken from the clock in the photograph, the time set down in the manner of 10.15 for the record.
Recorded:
6.16
